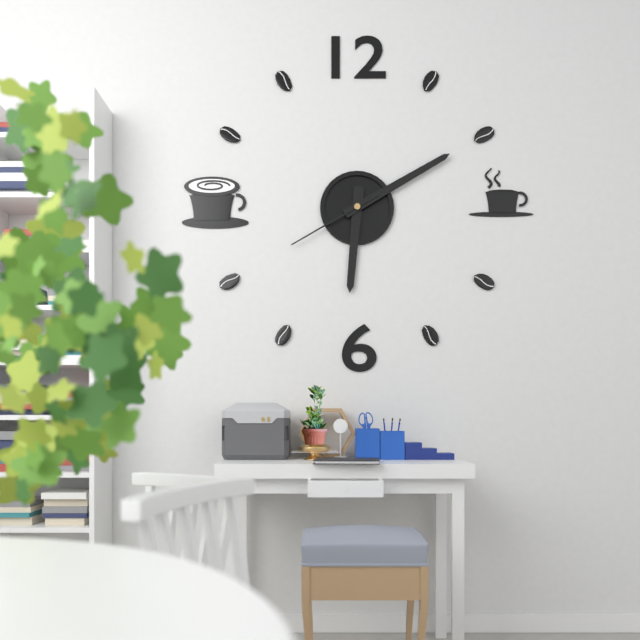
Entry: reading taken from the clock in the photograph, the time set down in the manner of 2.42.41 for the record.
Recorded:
6.10.40
